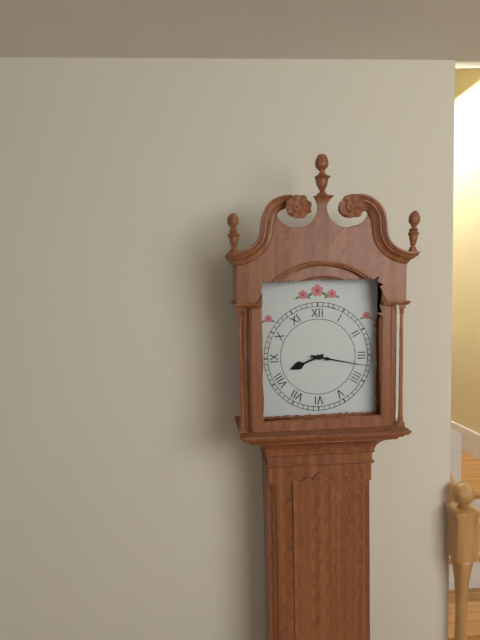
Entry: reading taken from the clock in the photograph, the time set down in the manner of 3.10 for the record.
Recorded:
8.17
